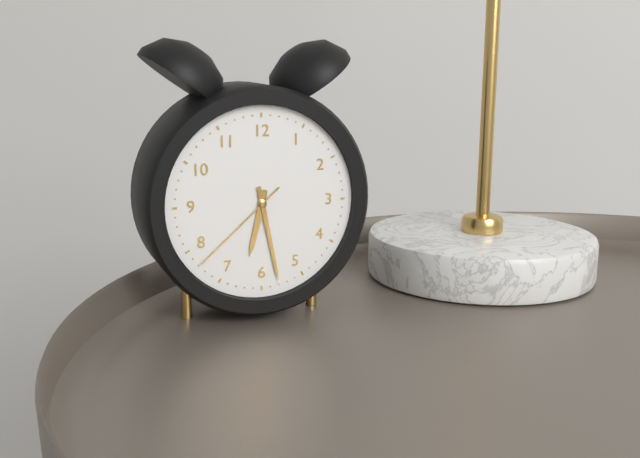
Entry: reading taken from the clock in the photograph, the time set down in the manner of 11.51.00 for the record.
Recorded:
6.28.38
